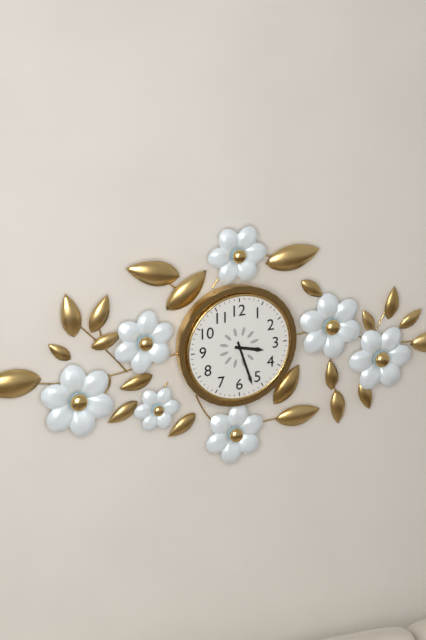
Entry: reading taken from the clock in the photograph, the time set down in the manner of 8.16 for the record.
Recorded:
3.27
